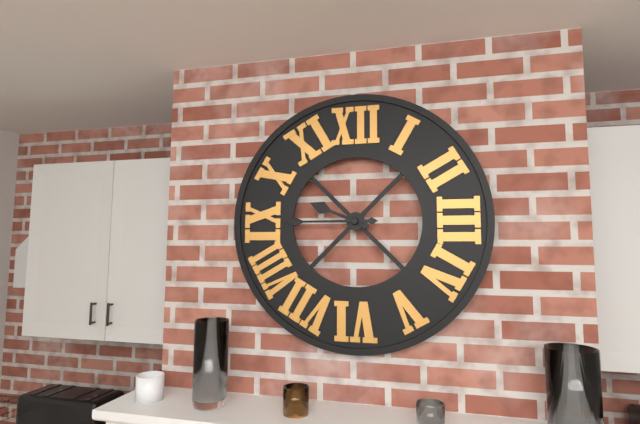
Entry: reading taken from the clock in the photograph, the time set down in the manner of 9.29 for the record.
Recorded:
9.45
